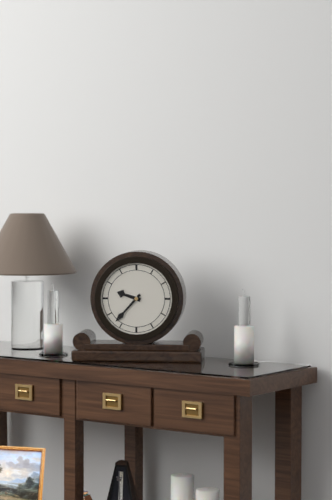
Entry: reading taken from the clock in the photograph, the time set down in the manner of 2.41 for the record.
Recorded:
9.37
